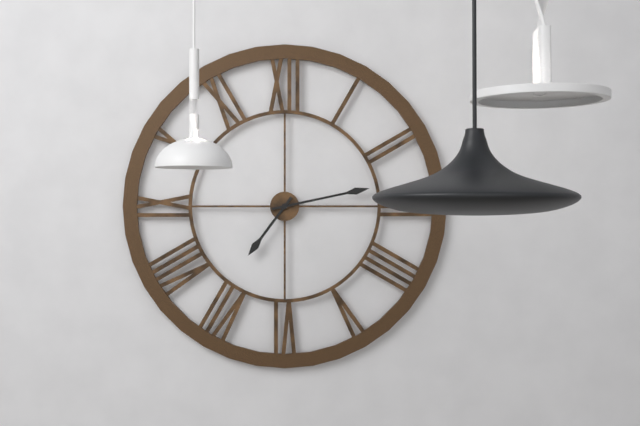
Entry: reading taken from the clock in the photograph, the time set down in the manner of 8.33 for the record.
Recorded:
7.13
